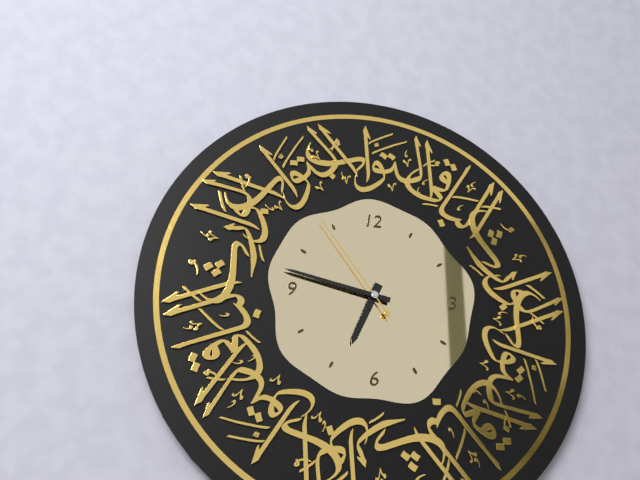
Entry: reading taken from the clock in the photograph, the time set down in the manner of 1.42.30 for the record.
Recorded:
6.47.54
